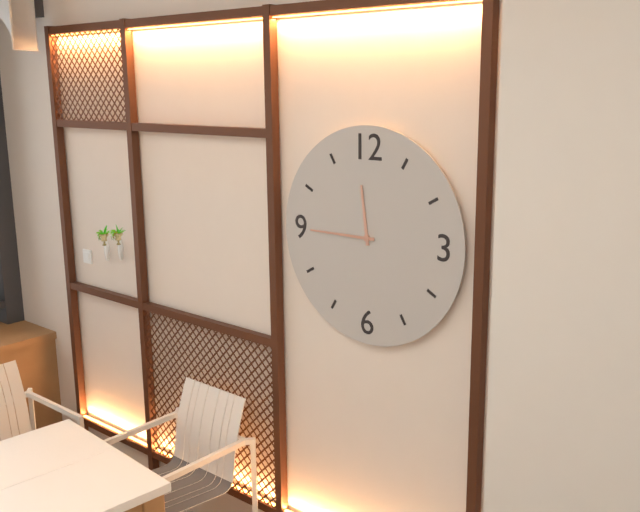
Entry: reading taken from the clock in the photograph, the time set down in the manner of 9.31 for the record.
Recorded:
11.45
